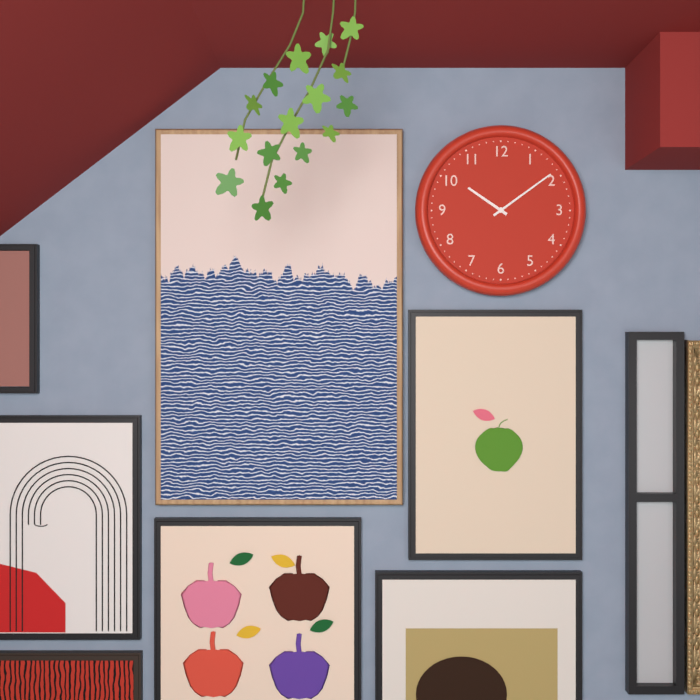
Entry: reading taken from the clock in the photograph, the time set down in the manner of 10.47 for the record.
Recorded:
10.09
